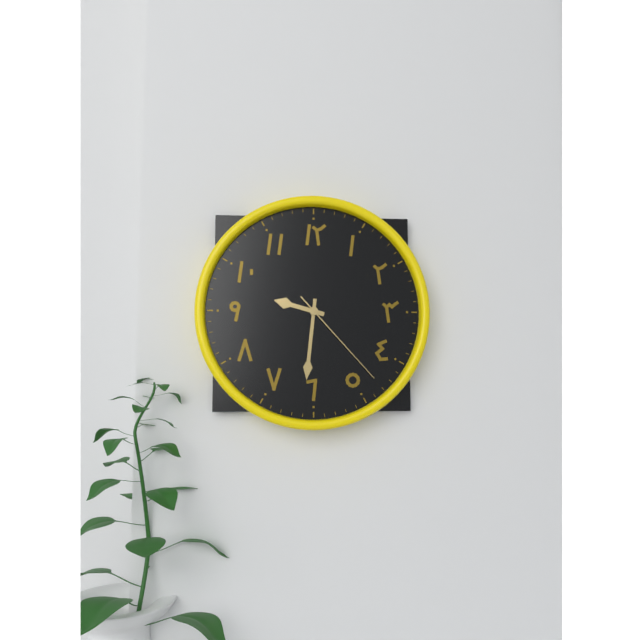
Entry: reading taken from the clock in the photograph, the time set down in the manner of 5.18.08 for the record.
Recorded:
9.31.23
